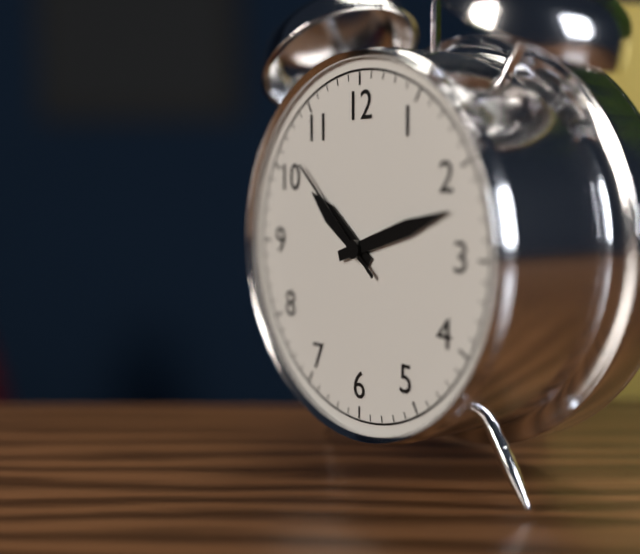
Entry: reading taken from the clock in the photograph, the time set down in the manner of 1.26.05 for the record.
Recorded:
10.12.52
